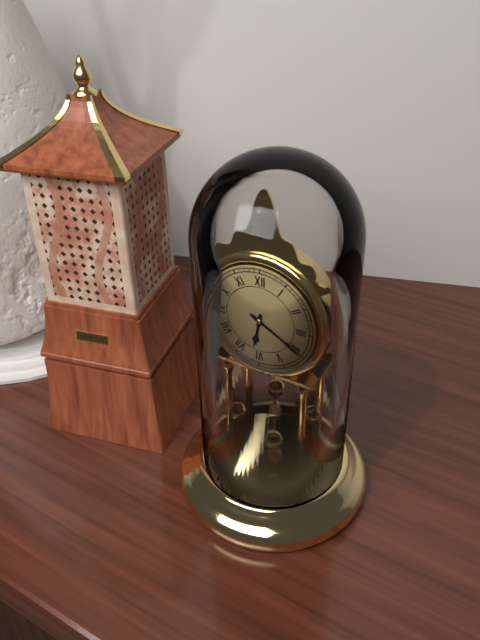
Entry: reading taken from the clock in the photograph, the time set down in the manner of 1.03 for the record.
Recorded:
6.20
